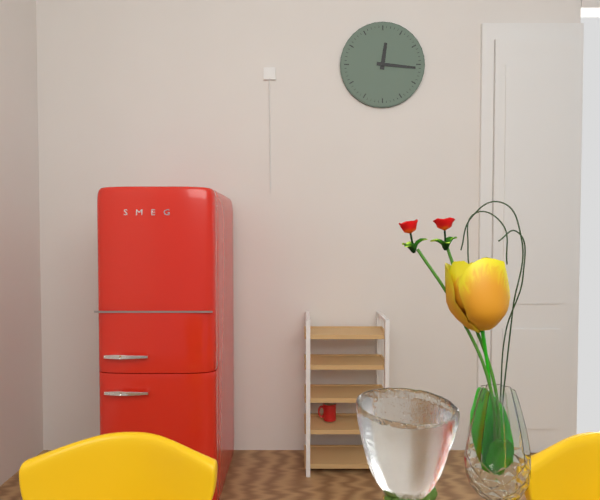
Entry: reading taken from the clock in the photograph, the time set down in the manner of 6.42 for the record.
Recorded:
12.16
